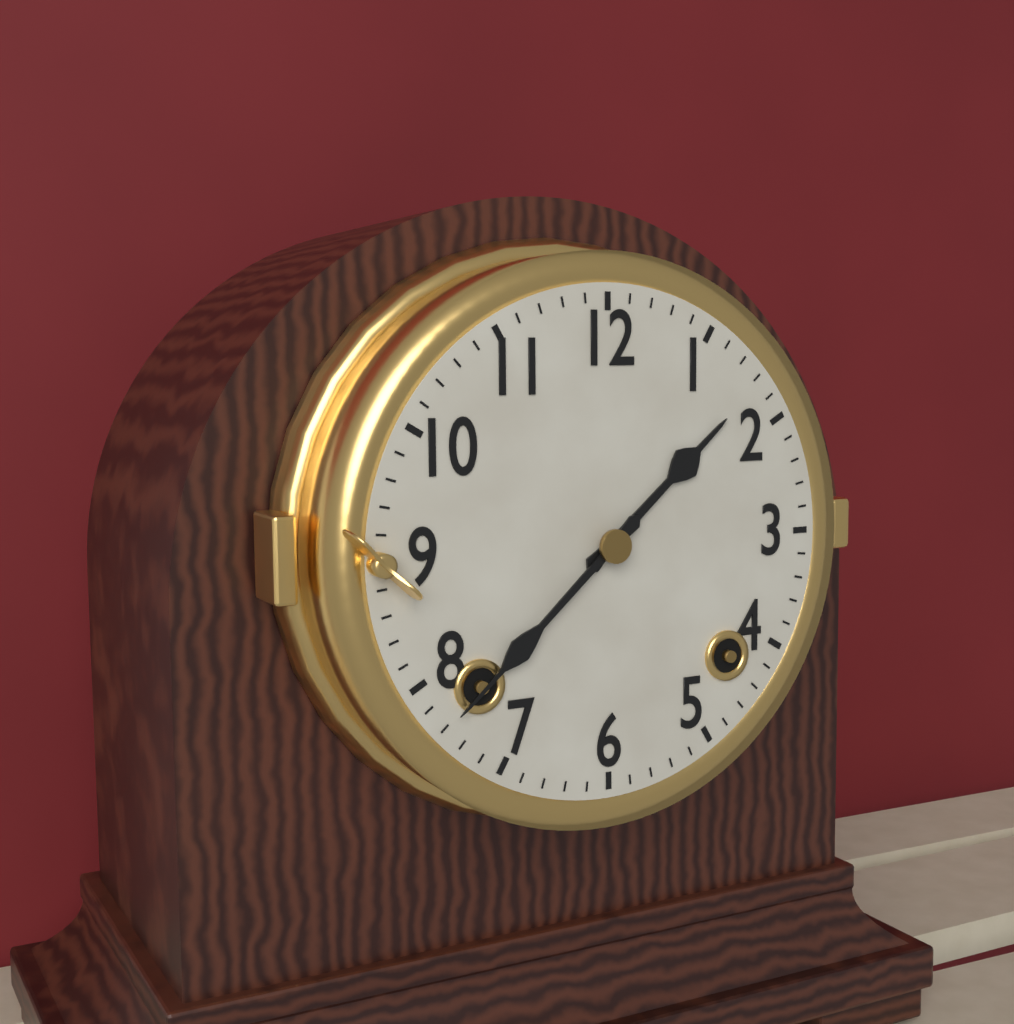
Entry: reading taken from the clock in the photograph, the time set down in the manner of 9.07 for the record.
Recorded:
1.38
